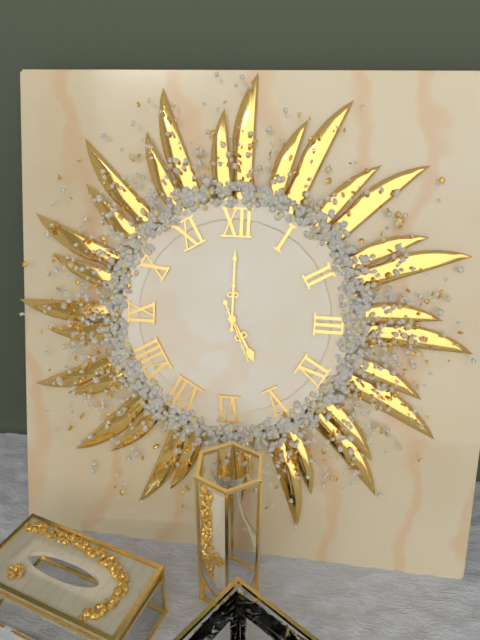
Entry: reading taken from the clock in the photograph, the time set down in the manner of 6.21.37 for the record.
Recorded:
5.00.26
